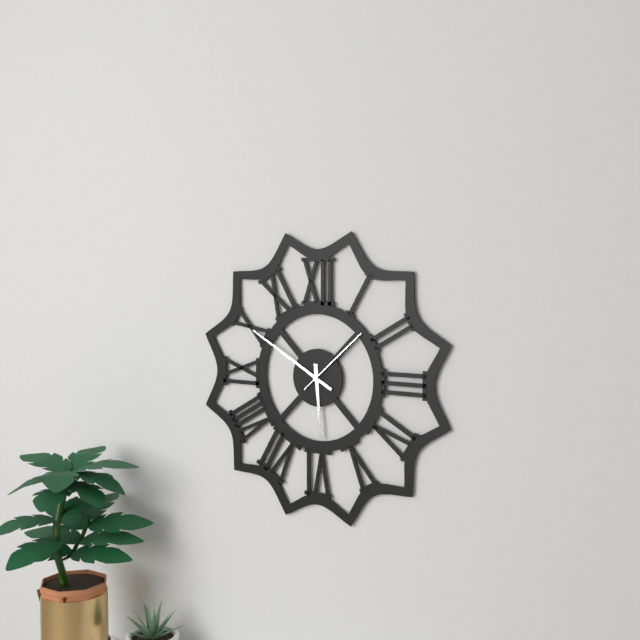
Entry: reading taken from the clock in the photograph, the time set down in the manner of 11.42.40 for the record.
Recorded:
5.50.08
